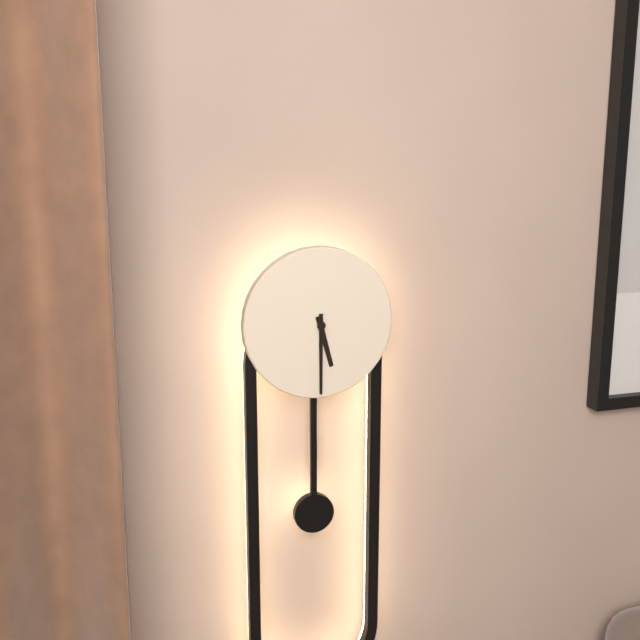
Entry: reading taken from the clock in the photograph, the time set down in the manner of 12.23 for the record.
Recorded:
5.30
